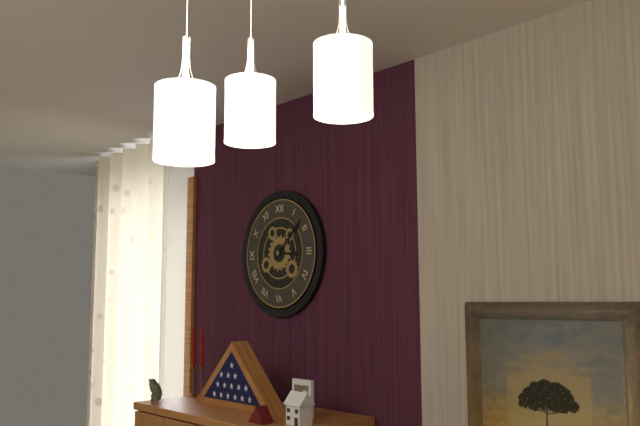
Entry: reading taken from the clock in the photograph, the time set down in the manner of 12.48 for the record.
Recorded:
3.08
